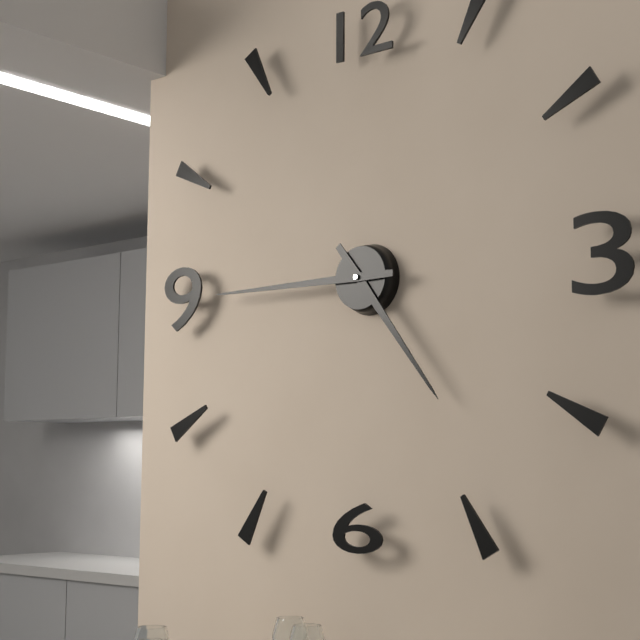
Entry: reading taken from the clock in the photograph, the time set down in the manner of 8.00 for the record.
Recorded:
4.45
